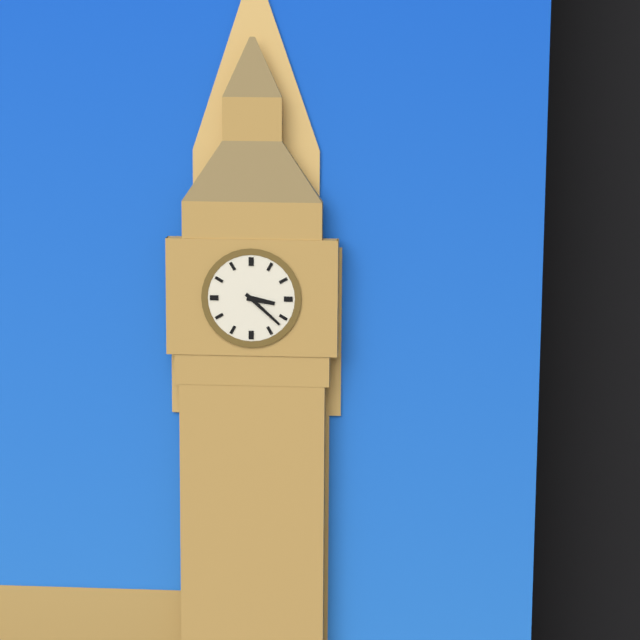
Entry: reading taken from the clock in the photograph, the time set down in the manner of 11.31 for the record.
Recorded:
3.22
